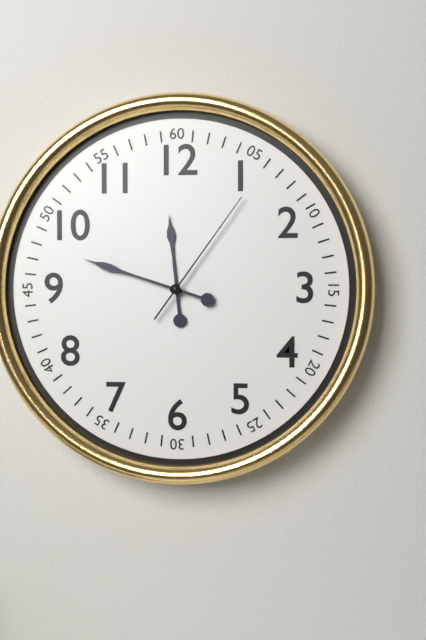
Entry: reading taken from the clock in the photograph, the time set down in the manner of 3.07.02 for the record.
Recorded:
11.48.06
